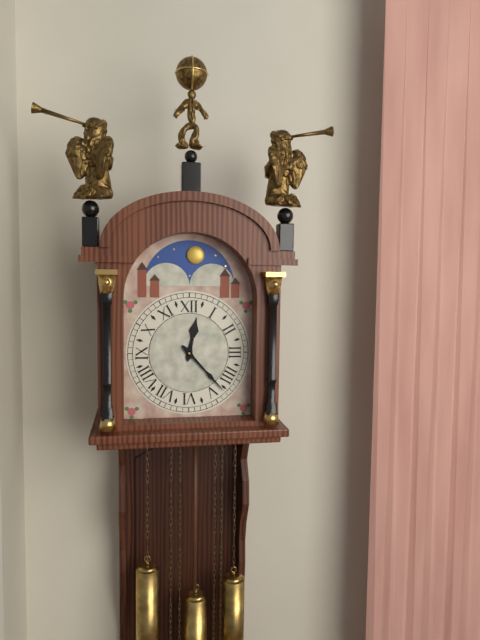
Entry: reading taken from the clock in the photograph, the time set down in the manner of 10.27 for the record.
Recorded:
12.23
